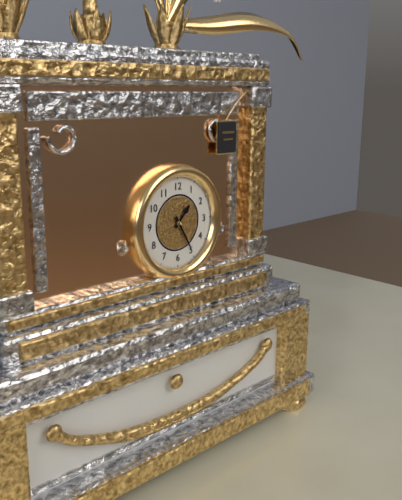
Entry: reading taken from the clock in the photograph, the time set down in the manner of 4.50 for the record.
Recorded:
1.25
